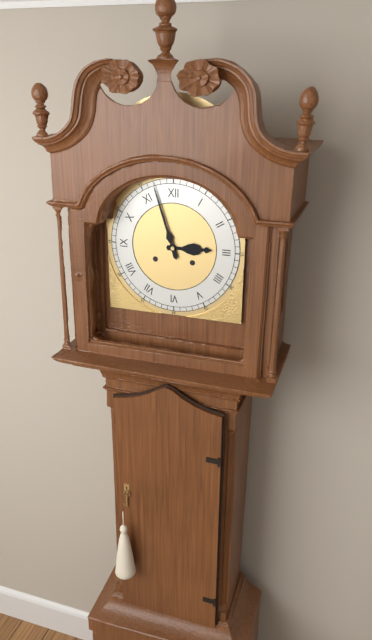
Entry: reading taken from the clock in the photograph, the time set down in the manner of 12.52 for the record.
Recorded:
2.57
